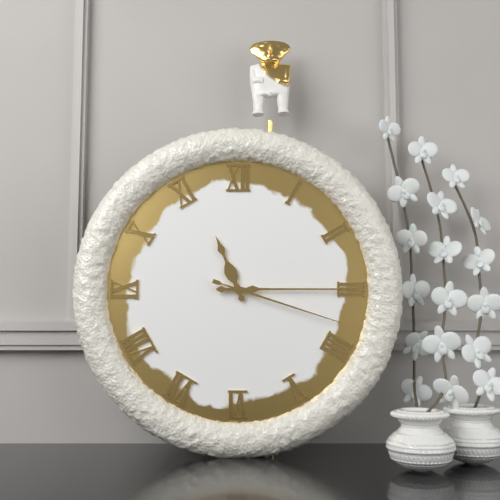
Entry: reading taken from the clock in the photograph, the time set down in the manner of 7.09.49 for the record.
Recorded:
11.15.18
